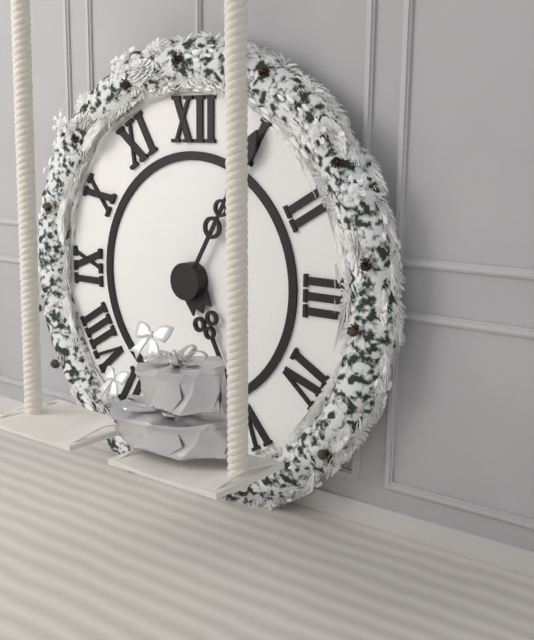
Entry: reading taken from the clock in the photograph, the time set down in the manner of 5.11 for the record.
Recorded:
5.05
